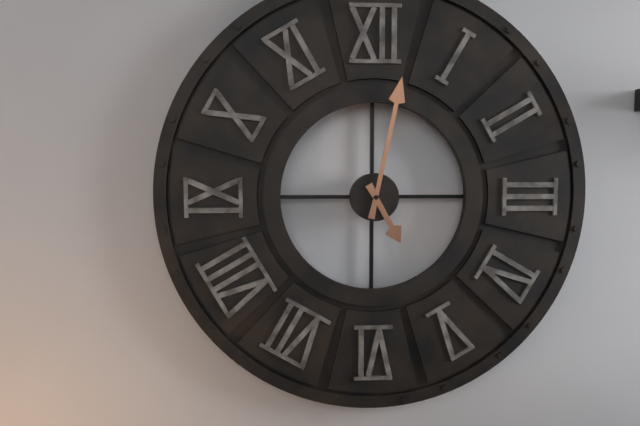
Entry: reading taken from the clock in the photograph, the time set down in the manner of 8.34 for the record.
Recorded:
5.02
